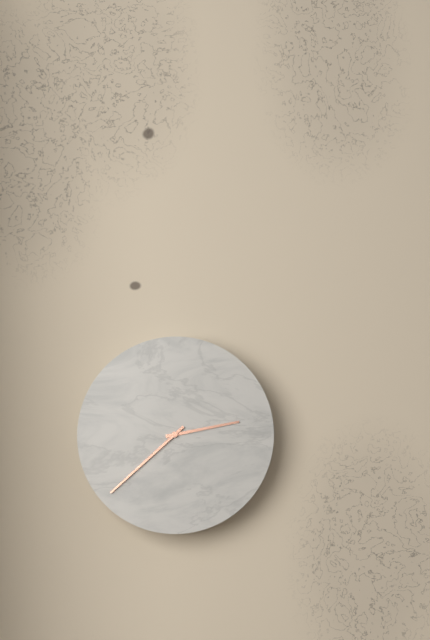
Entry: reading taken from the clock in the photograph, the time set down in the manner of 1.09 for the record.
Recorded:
2.38
